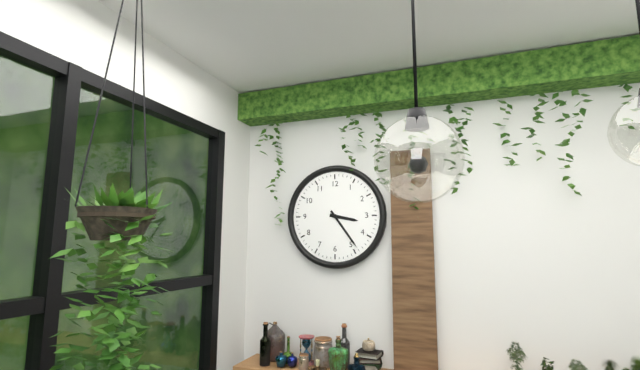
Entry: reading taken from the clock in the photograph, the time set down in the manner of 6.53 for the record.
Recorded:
3.24
